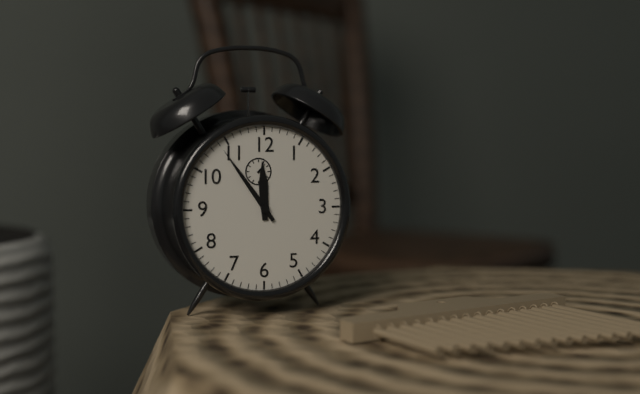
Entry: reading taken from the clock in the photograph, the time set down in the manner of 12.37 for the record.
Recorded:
11.54
